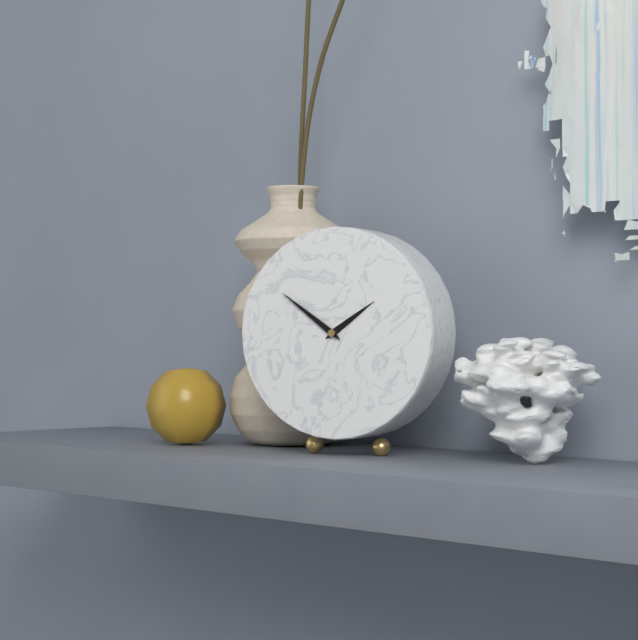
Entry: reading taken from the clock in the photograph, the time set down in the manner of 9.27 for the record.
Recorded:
1.51
